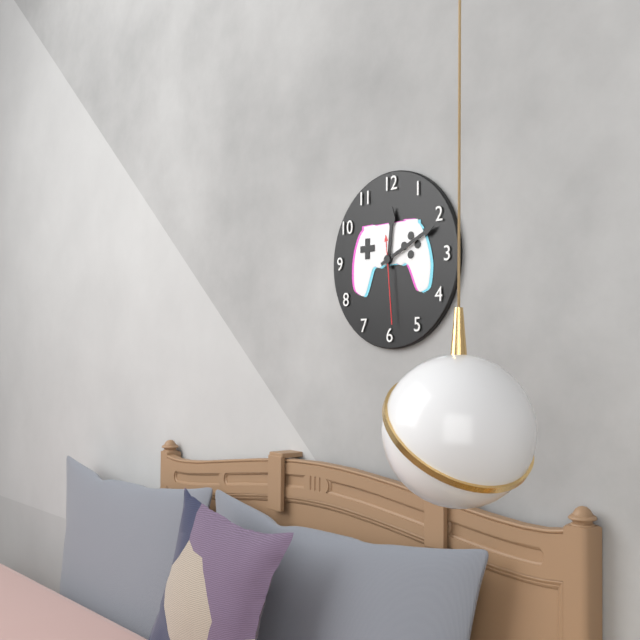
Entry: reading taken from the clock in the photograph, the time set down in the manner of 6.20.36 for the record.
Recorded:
12.11.29
